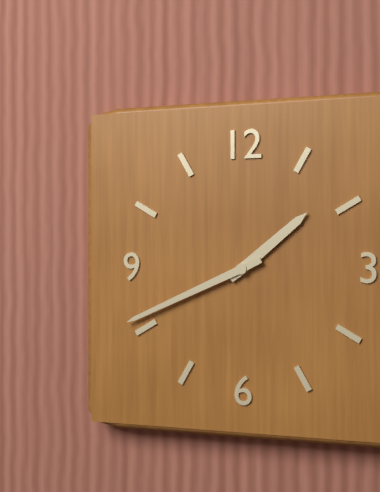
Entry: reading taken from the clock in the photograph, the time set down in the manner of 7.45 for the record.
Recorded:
1.41
